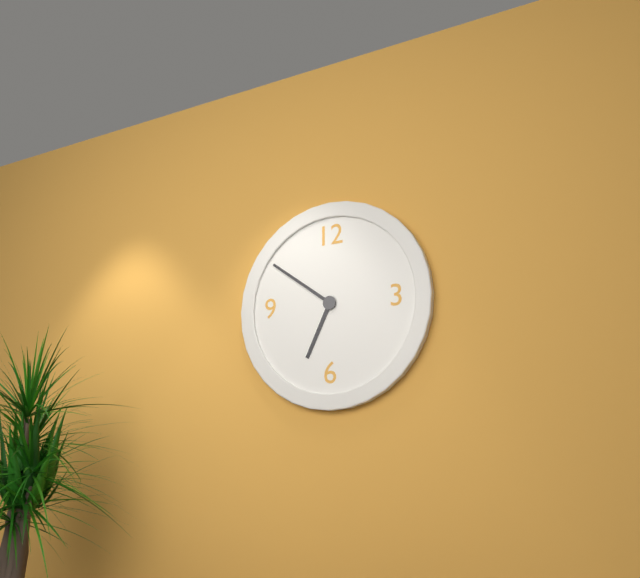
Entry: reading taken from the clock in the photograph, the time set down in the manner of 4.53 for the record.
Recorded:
6.51
